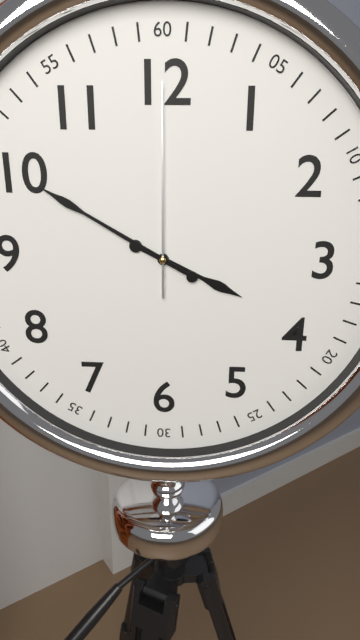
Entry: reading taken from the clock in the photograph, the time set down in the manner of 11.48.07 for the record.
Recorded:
3.50.00
